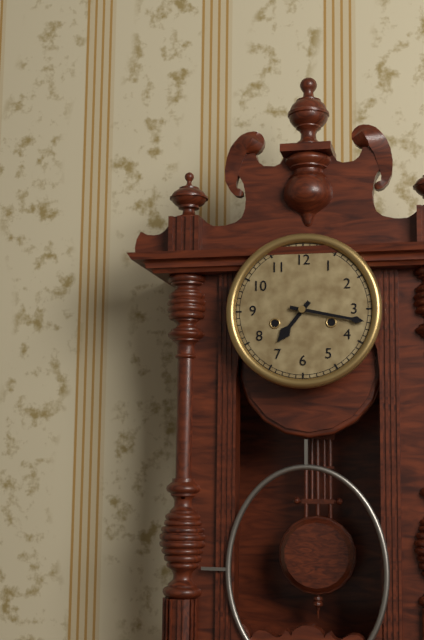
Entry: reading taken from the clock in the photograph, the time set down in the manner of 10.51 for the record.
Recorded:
7.17
